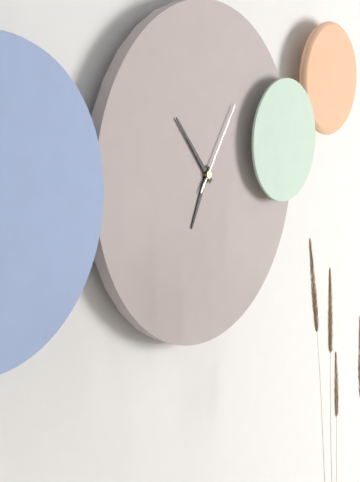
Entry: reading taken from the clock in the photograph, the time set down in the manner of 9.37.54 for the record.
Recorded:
6.53.06
